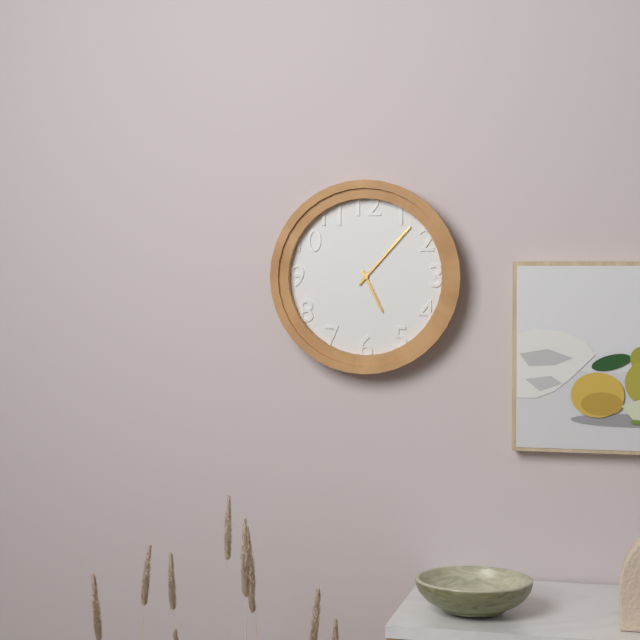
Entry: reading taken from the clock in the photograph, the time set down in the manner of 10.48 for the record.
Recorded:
5.07
